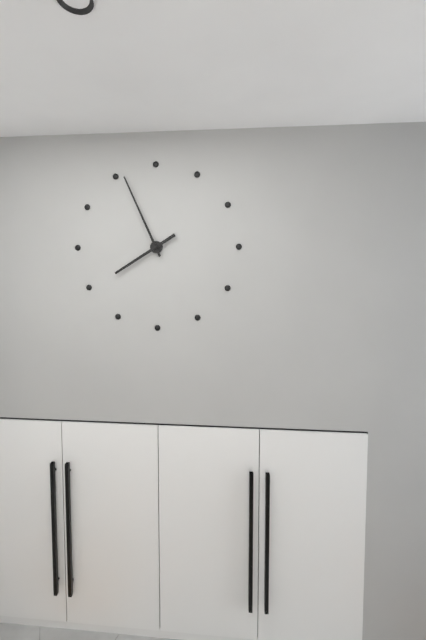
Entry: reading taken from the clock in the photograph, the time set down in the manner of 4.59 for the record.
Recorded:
7.56
